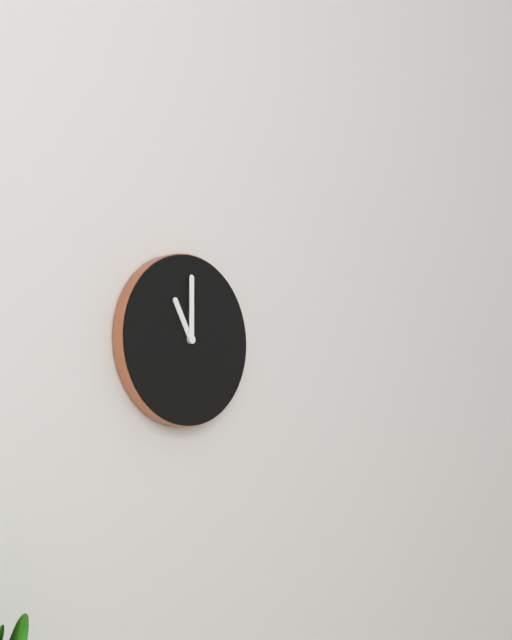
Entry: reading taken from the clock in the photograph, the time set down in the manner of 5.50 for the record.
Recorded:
11.00
